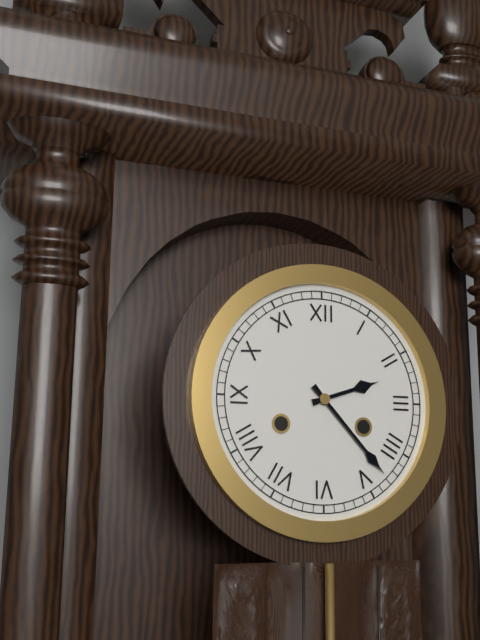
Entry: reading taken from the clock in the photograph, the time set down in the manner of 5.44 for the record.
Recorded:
2.23
